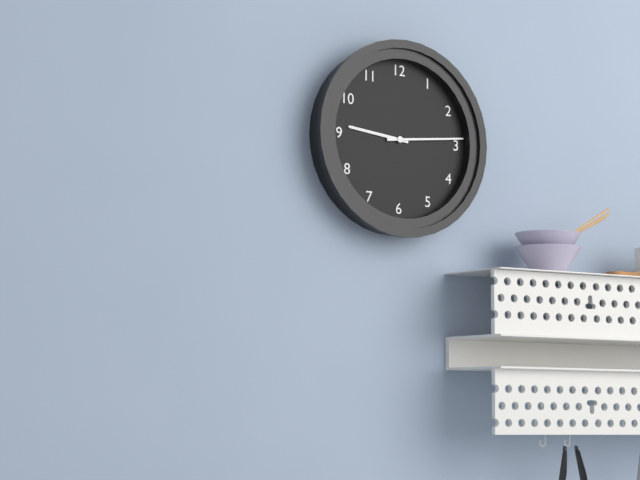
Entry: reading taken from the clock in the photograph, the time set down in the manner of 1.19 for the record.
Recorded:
9.14
